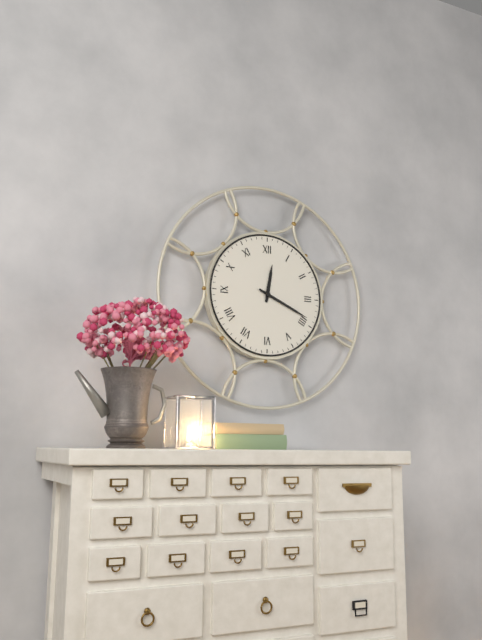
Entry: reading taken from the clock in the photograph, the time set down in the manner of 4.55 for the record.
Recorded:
12.19
